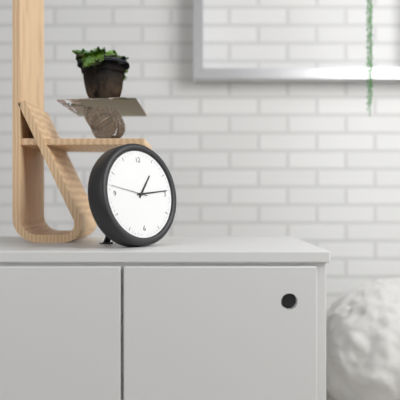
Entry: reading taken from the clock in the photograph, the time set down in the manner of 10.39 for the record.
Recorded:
1.14
